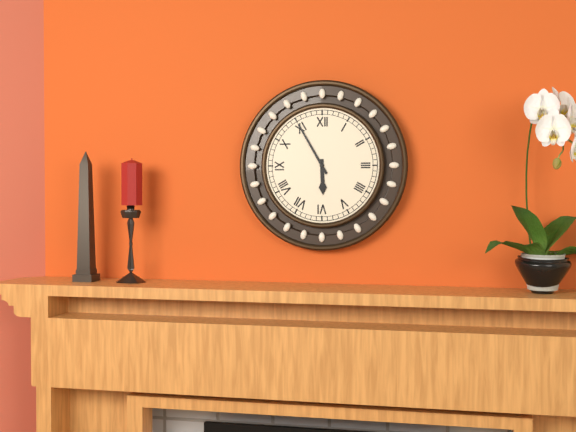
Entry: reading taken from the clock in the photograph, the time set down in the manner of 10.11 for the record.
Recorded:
5.55
